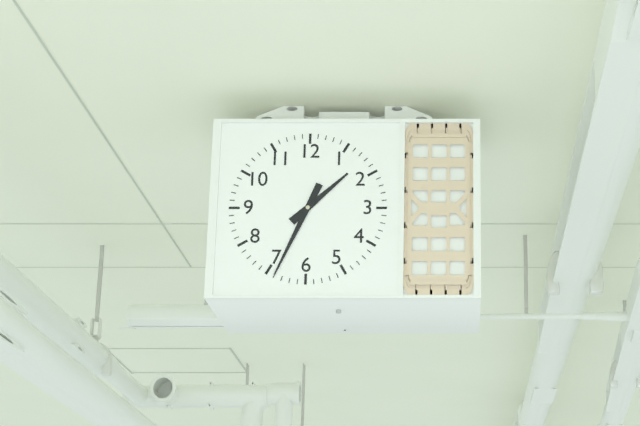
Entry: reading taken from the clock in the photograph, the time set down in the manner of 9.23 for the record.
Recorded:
1.34
